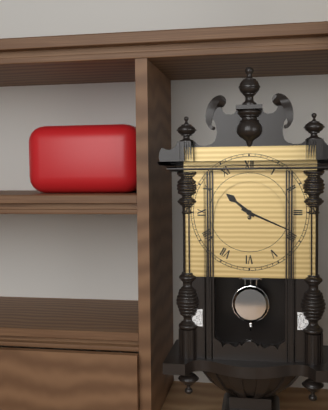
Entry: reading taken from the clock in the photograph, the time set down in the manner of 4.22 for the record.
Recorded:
10.19
